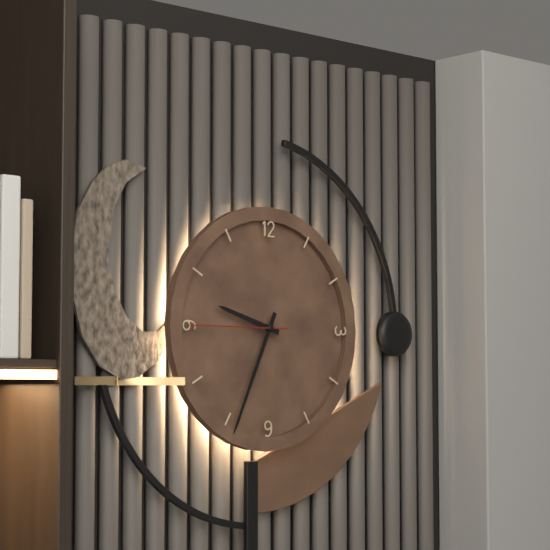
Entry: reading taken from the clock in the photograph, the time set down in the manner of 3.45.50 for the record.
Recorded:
9.34.45
